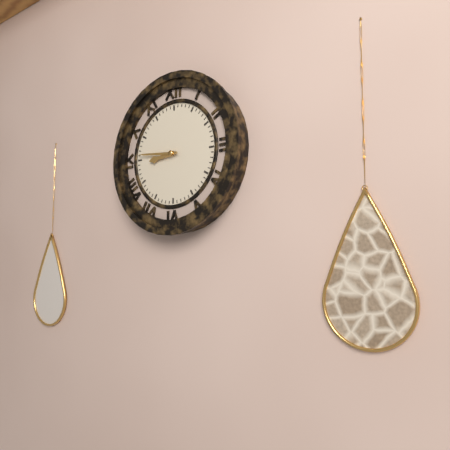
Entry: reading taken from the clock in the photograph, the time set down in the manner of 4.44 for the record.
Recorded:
8.46
